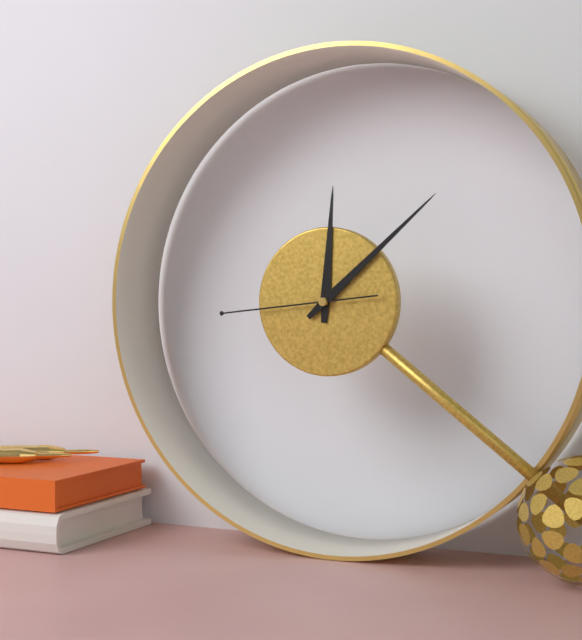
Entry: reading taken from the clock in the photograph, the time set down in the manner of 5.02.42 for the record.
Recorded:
12.08.44
